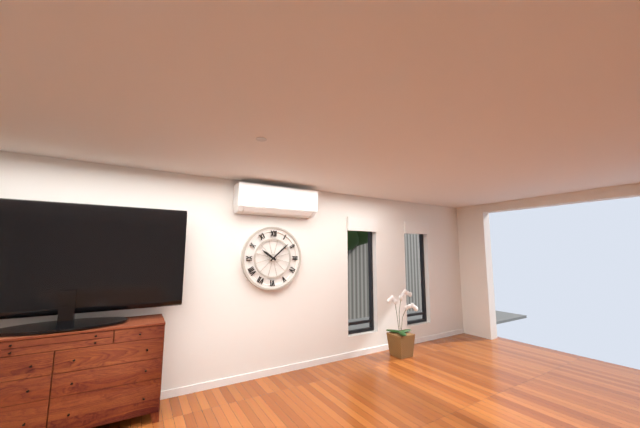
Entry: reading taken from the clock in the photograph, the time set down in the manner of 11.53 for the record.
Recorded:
10.08
